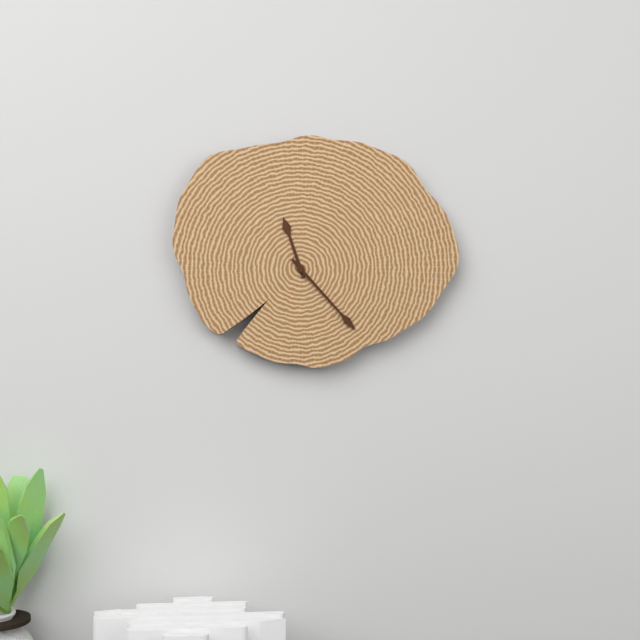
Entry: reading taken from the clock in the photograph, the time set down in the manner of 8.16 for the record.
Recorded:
11.23
